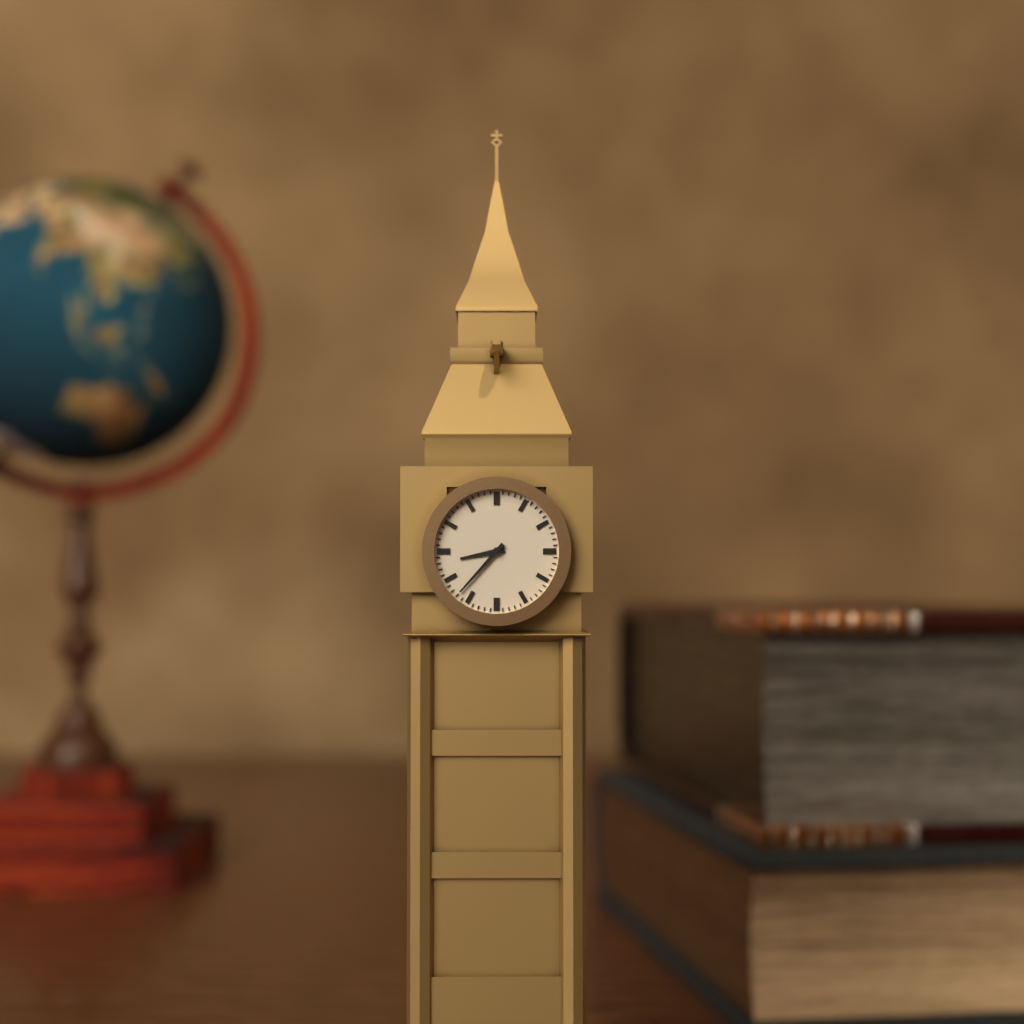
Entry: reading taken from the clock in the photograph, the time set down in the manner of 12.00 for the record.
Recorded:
8.37
